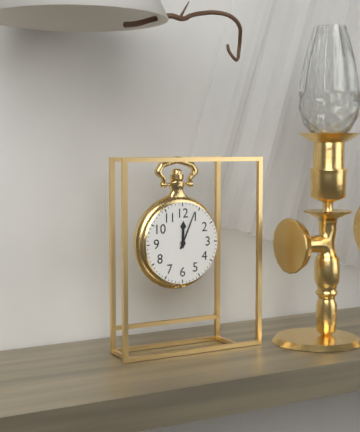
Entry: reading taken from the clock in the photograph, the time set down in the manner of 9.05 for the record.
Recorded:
12.04
